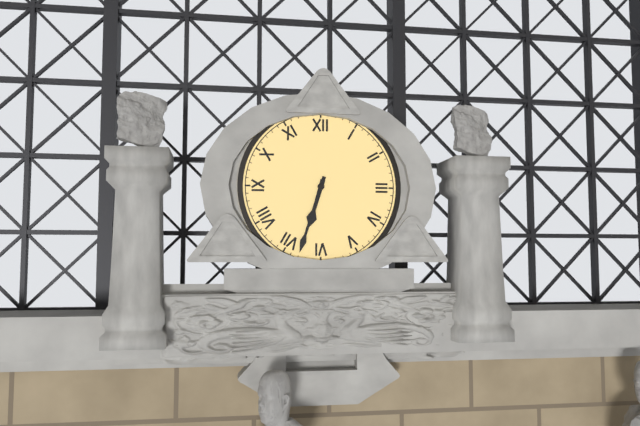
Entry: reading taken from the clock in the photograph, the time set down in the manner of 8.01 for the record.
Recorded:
6.33
